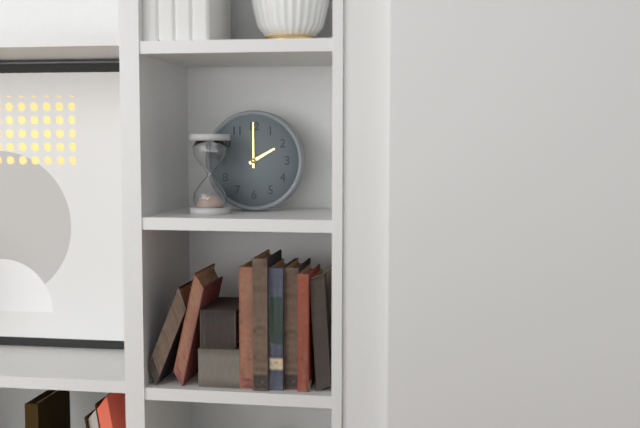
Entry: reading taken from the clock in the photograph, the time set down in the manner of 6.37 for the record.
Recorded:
2.00
